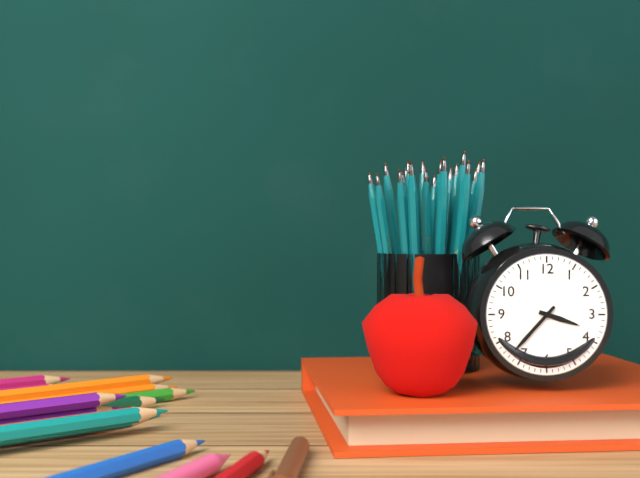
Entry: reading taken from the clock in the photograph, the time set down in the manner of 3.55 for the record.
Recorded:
3.37
